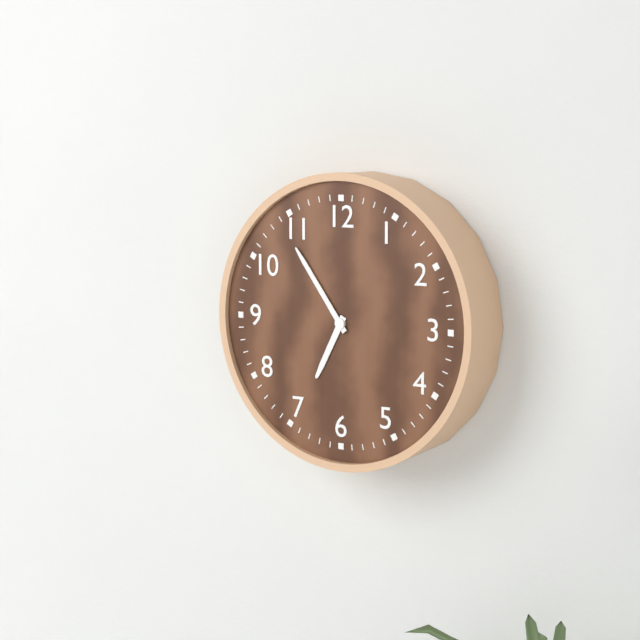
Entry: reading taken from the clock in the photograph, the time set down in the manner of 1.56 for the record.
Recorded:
6.54
